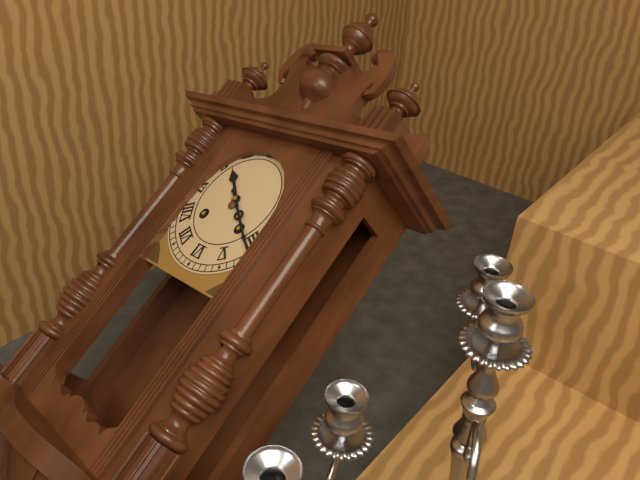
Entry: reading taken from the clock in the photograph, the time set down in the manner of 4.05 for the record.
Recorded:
10.21
